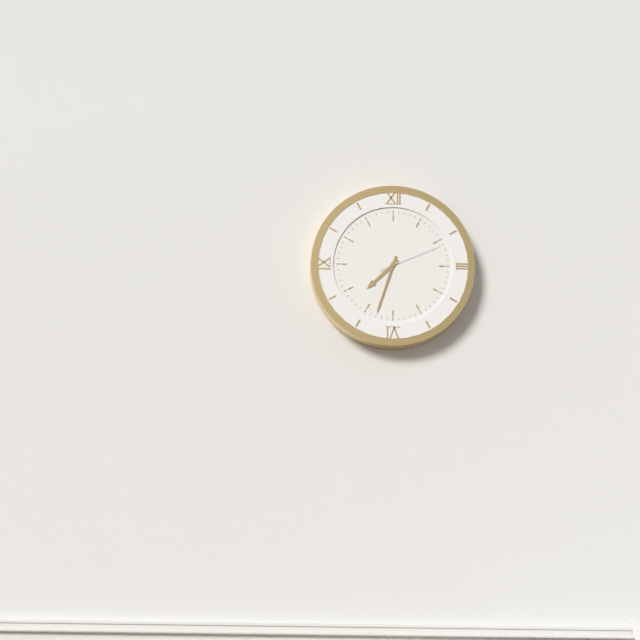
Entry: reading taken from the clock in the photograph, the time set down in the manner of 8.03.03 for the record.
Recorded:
7.33.11
